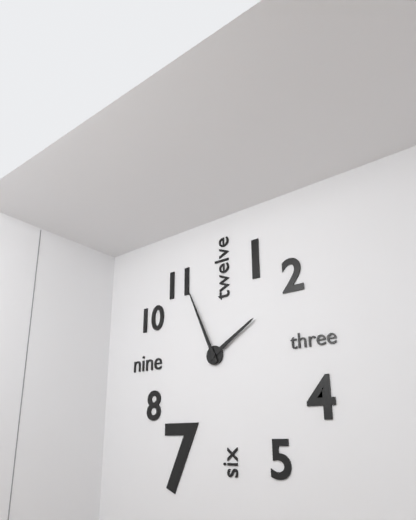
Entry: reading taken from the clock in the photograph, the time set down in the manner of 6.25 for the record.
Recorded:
1.56
